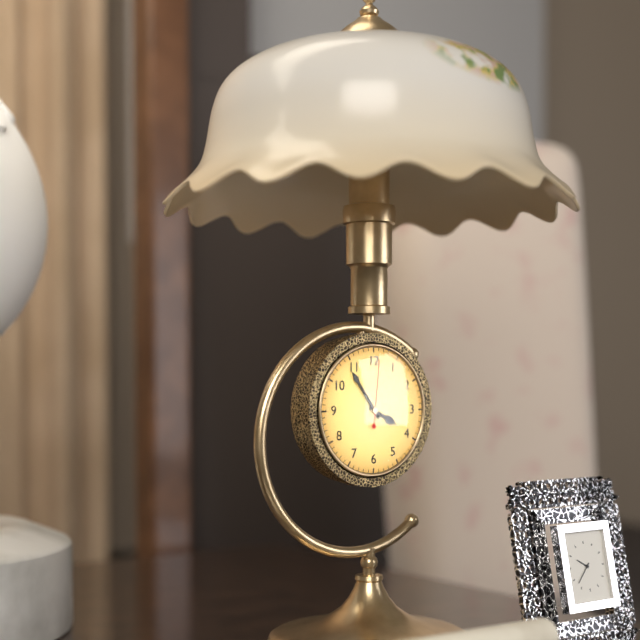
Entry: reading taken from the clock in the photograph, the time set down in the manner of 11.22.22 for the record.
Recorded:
3.54.01
